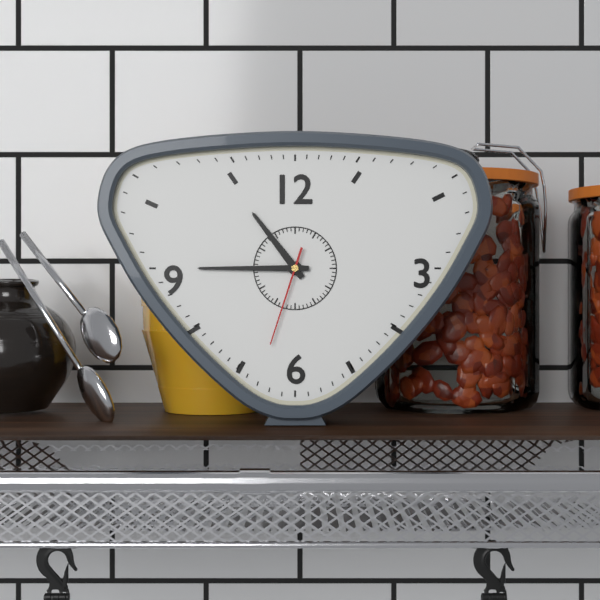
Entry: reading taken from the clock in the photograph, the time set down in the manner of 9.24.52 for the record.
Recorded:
10.45.33
